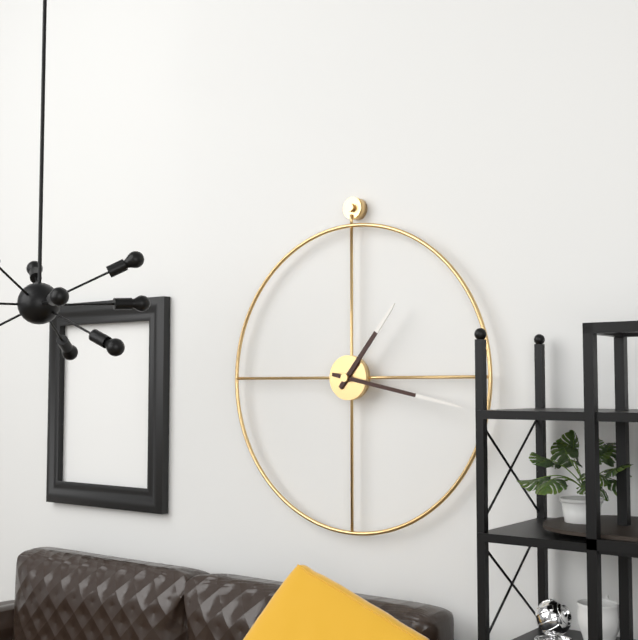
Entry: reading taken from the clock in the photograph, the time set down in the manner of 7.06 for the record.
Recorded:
1.17
